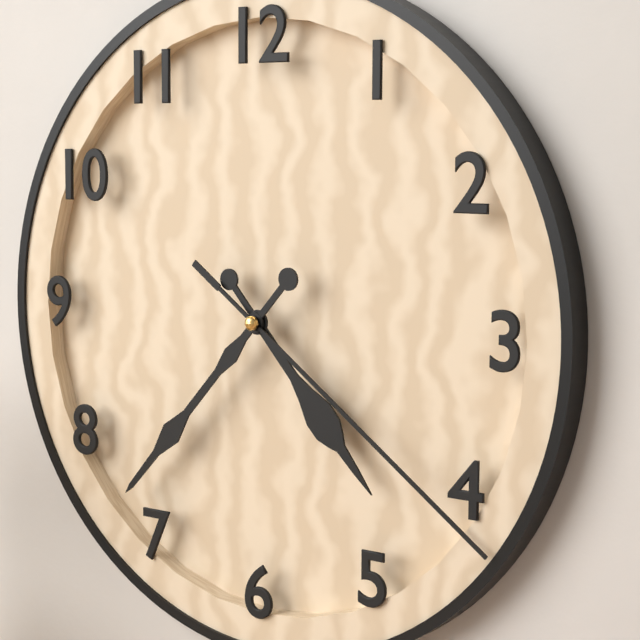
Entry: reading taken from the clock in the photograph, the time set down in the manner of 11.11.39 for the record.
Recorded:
4.37.21
